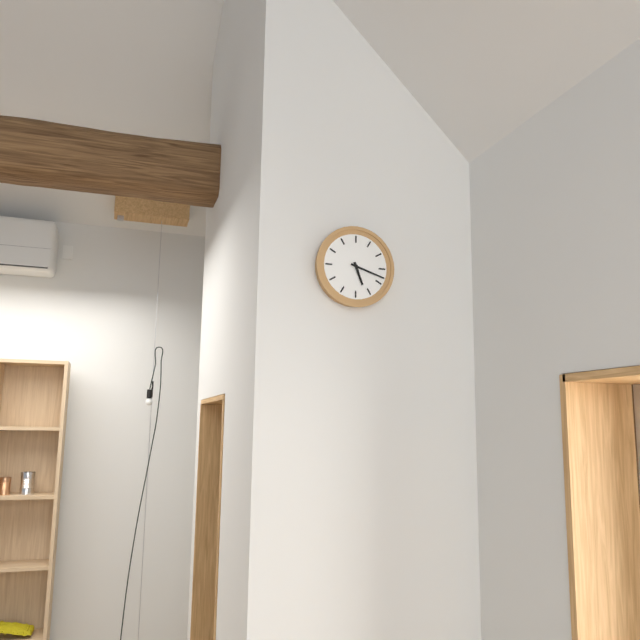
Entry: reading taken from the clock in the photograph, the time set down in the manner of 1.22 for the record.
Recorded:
5.18
